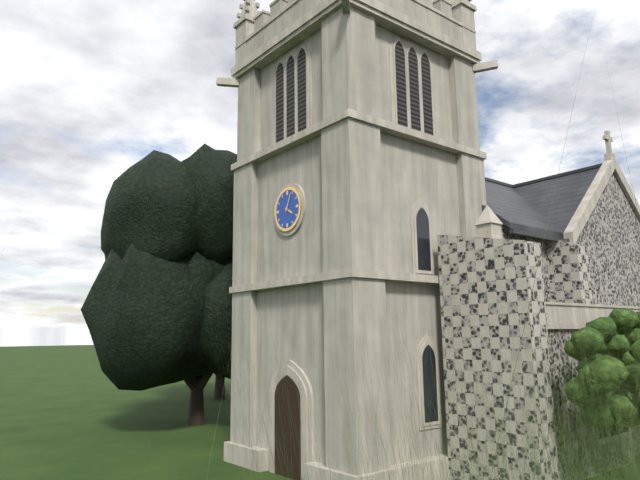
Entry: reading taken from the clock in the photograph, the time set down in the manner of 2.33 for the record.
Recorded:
4.04
